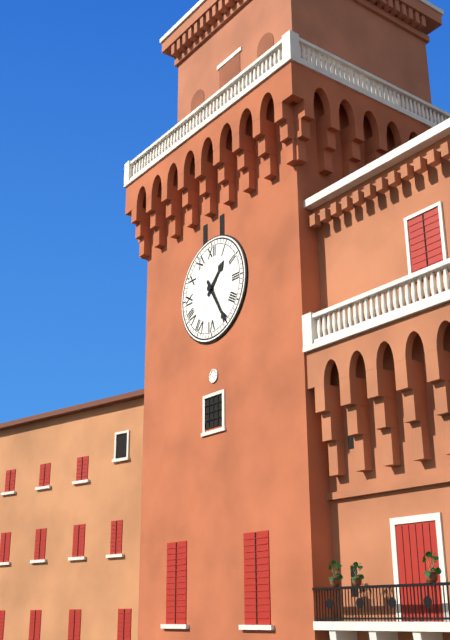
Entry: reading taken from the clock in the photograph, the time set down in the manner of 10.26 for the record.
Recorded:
1.25
